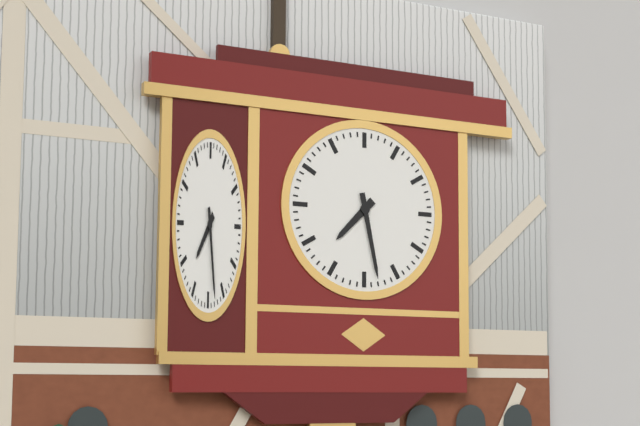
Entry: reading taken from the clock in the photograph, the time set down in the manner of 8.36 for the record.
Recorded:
7.28
